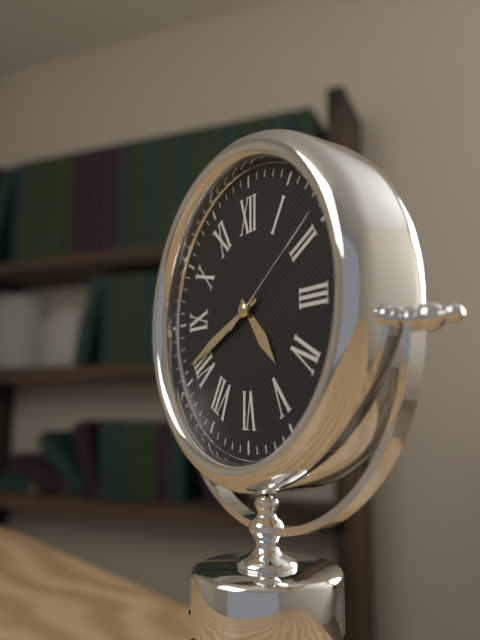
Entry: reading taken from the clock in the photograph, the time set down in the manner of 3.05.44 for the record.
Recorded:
4.41.09
